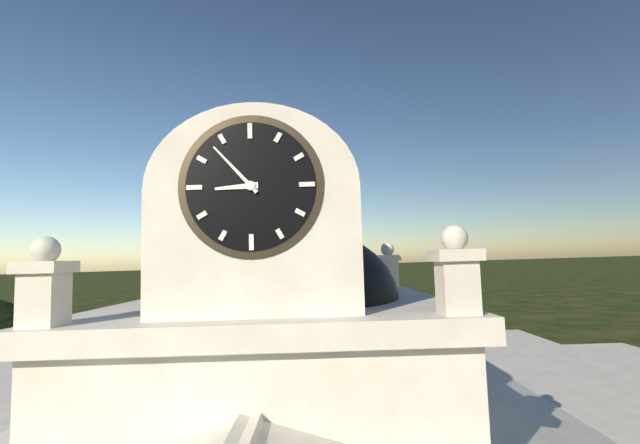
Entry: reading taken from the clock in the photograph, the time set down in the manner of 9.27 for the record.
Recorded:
8.53
